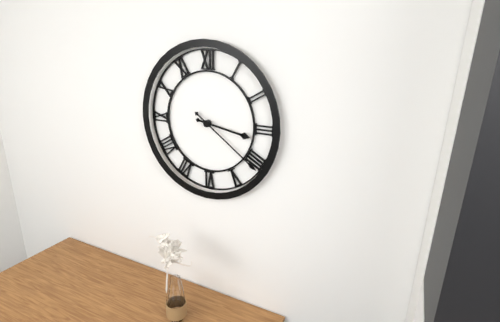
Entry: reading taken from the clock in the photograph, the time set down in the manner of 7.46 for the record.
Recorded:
3.21
